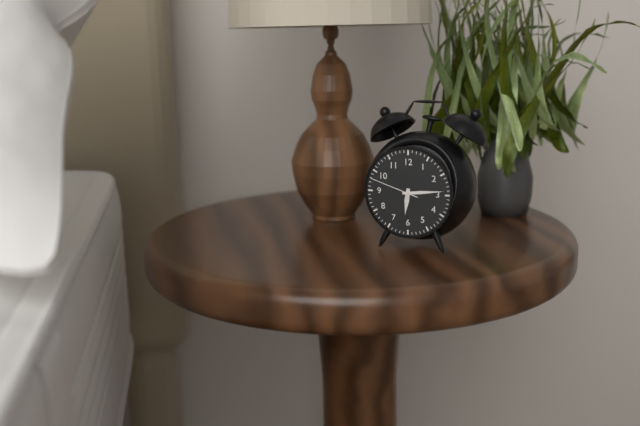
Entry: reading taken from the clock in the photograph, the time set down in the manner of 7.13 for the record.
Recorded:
6.14
